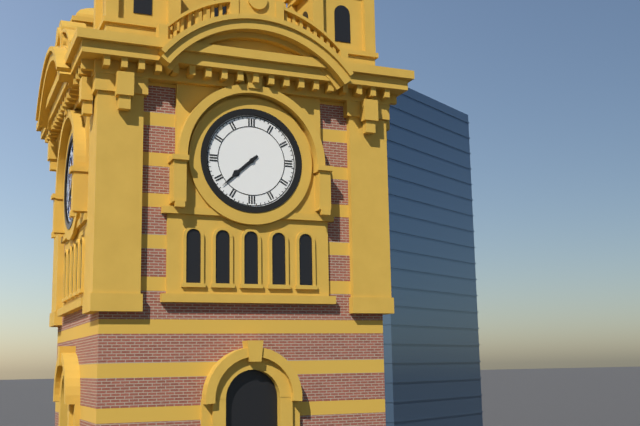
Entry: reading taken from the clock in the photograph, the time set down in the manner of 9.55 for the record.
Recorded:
7.38
